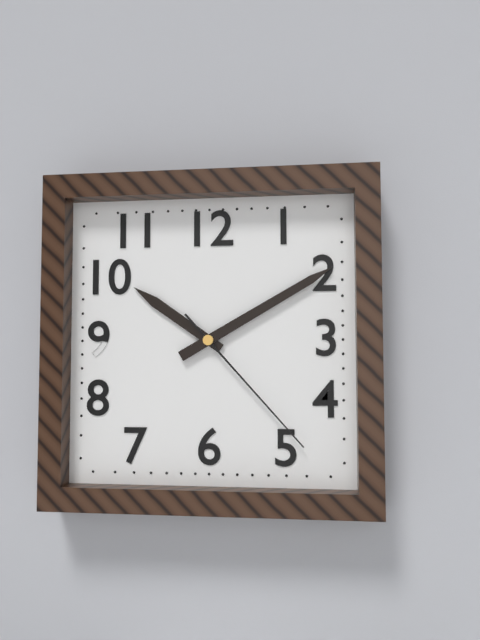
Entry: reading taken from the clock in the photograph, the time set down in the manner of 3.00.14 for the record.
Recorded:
10.10.23
